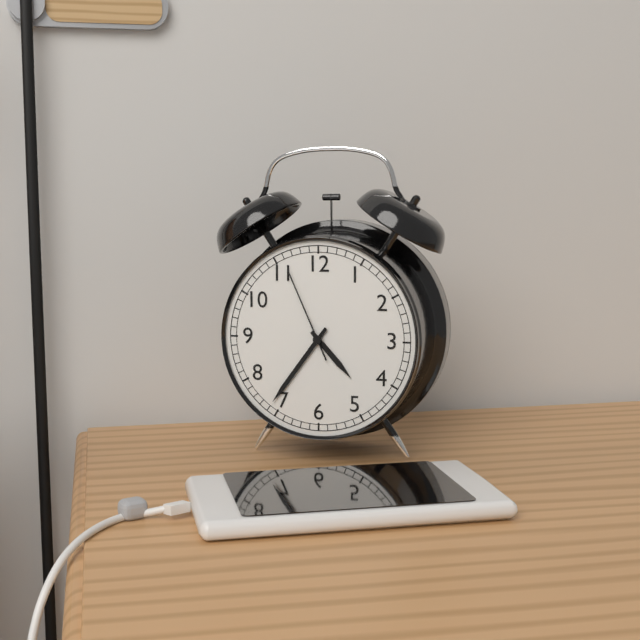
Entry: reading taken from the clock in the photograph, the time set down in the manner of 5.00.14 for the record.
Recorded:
4.36.56
